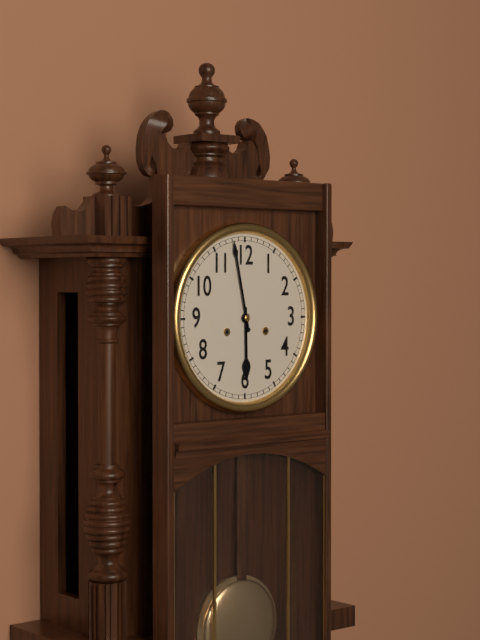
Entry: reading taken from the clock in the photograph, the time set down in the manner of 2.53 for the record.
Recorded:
5.58
